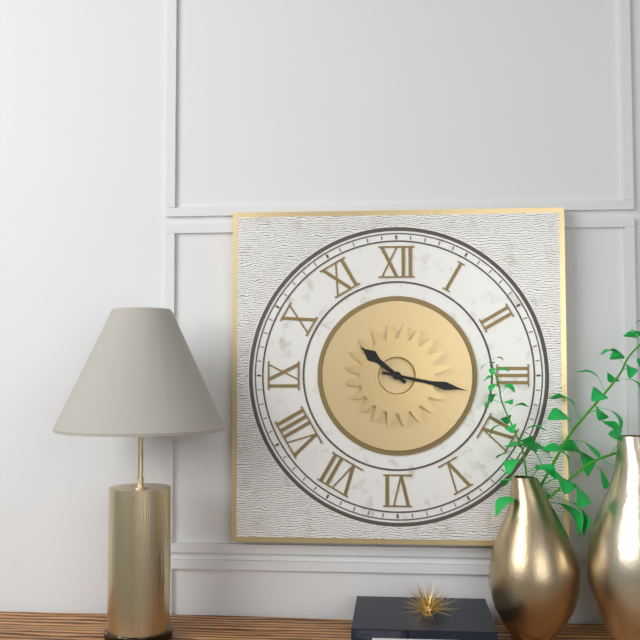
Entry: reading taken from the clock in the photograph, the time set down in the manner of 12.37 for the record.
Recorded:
10.17
